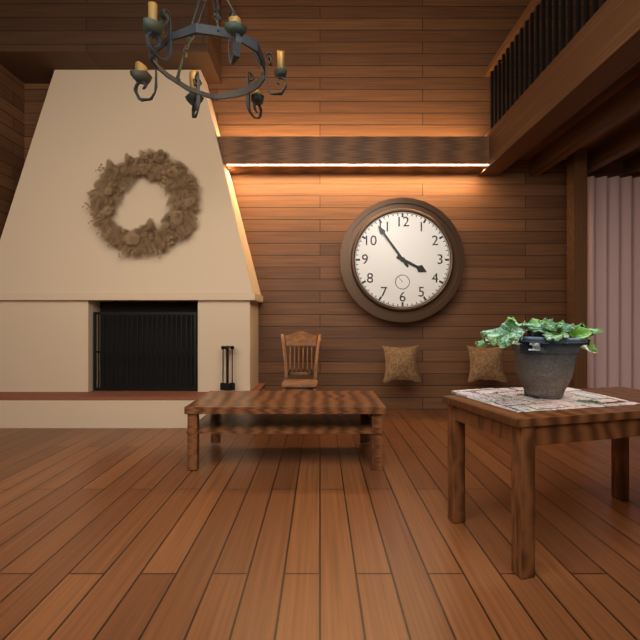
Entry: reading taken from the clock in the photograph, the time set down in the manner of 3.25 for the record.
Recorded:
3.54
